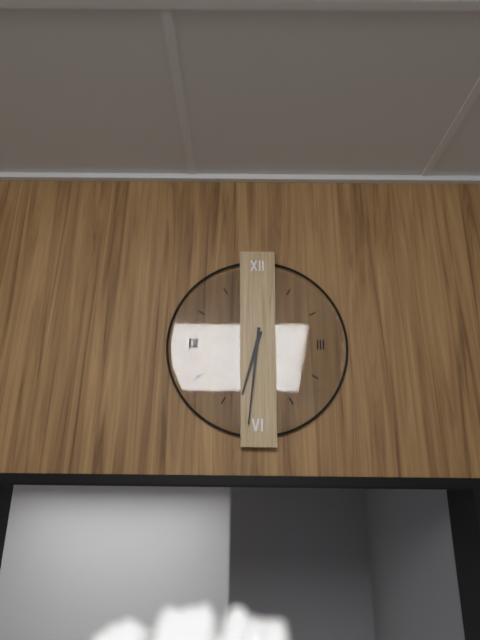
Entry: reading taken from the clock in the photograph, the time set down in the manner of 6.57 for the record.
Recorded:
6.31
